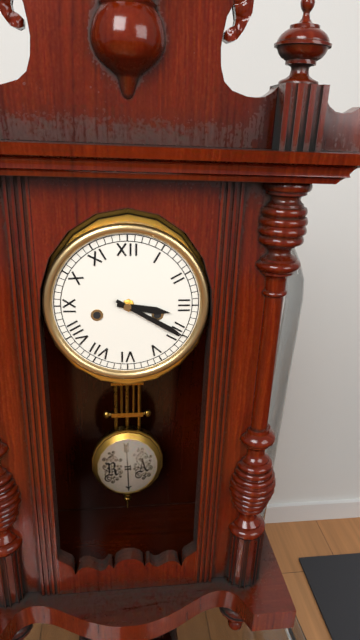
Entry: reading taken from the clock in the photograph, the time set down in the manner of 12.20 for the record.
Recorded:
3.20
